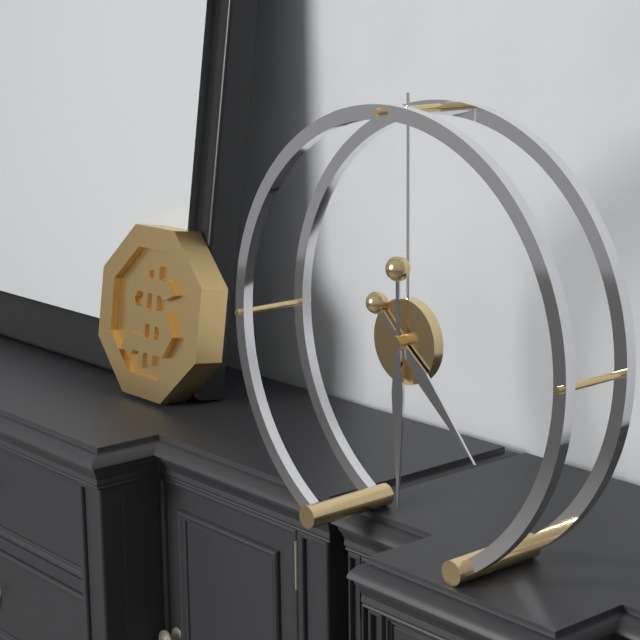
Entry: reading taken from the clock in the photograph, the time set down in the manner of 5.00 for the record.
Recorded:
4.30
